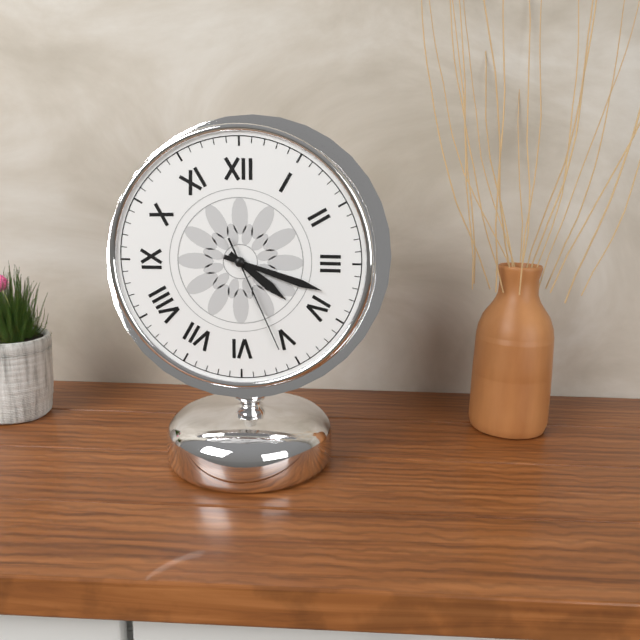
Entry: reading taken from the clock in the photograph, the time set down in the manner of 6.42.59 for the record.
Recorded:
4.18.26
